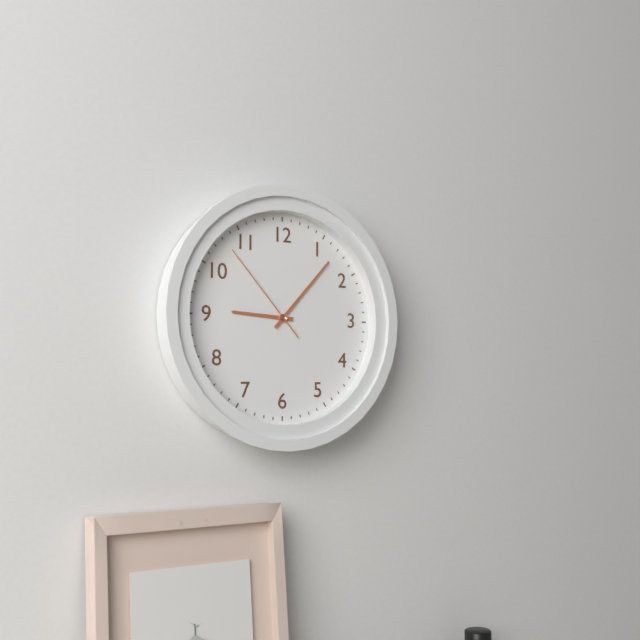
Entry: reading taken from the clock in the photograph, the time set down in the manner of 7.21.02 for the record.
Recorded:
9.07.53
